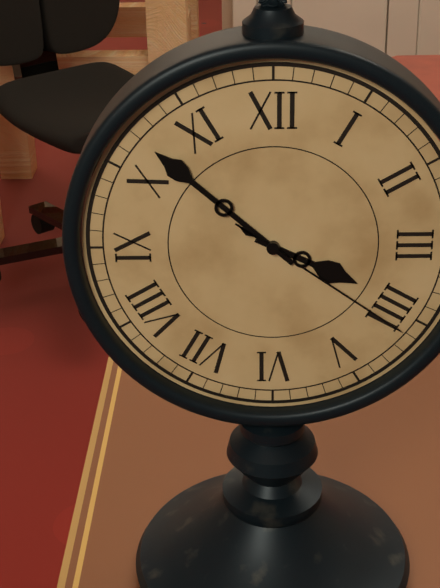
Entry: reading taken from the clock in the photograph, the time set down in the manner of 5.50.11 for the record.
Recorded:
3.52.21
